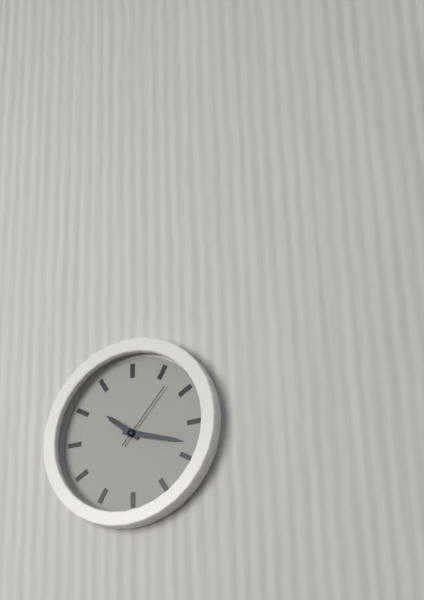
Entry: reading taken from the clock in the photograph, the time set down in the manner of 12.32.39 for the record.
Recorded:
10.18.07
